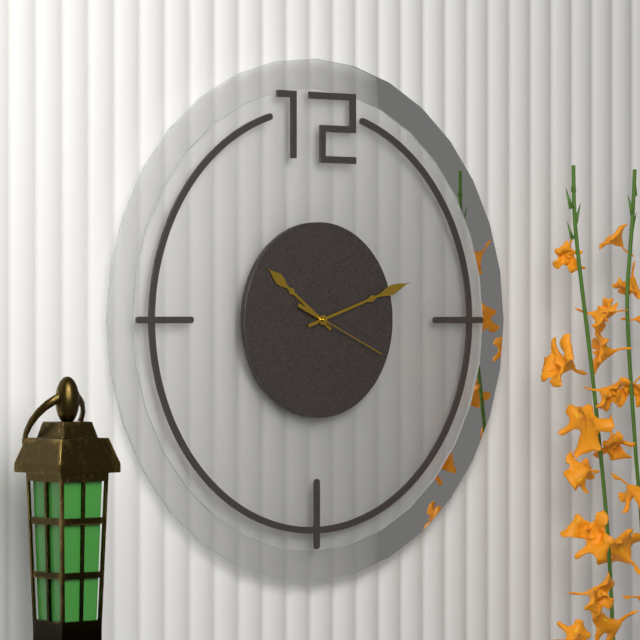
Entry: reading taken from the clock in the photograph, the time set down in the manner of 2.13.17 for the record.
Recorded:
10.12.19
